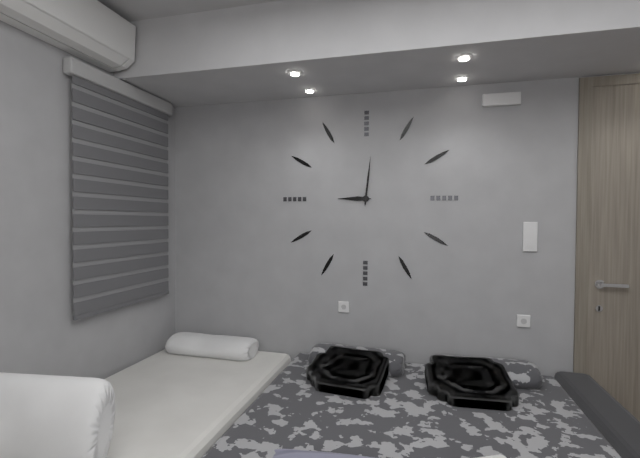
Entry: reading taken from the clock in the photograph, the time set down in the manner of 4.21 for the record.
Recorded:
9.01
